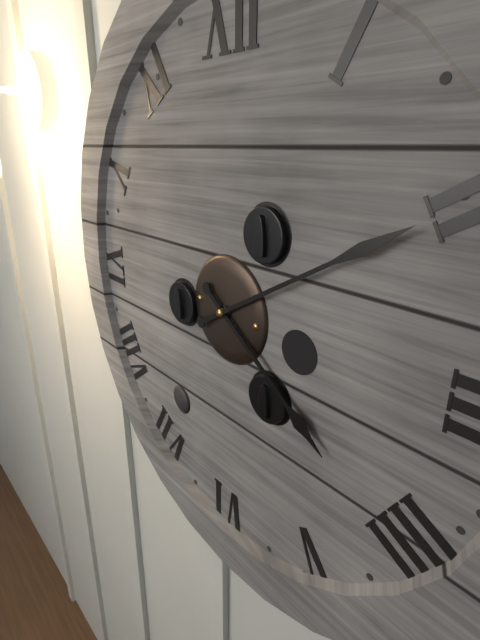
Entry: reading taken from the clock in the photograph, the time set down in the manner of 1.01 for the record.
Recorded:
4.10
